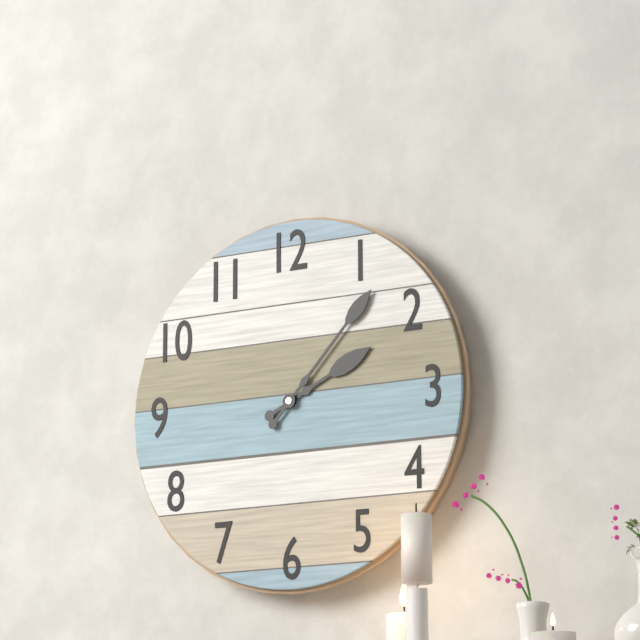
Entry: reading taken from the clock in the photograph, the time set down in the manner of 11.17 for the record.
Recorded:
2.07
